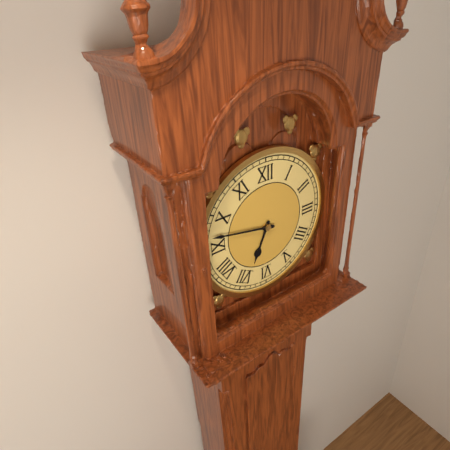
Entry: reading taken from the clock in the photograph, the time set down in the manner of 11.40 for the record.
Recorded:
6.47
